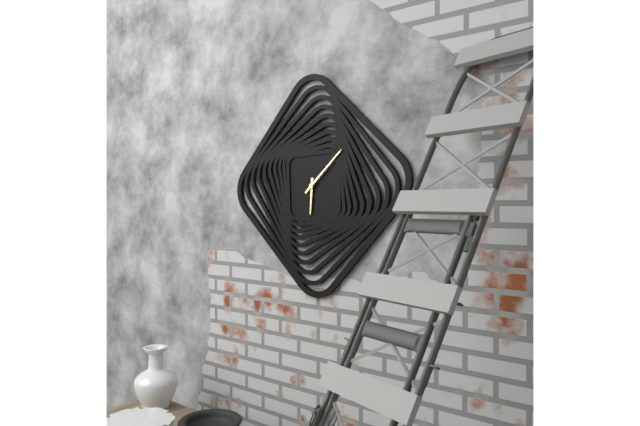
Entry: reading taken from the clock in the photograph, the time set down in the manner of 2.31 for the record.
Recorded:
6.08
